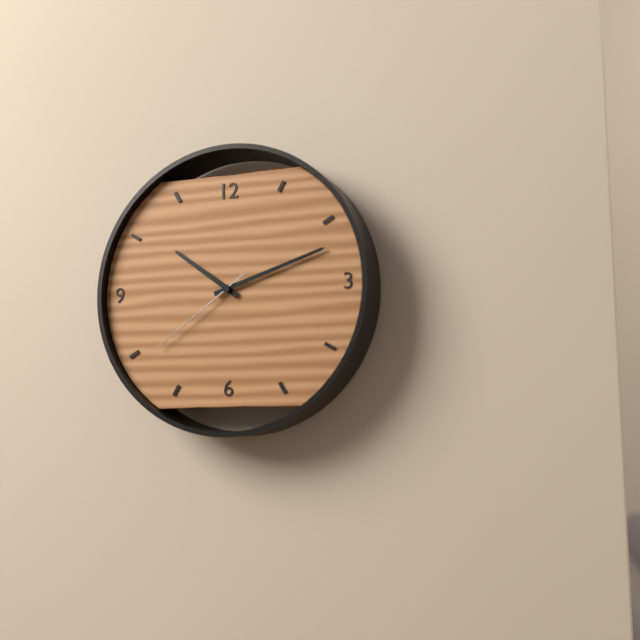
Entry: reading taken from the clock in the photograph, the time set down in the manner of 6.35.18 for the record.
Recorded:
10.12.39
